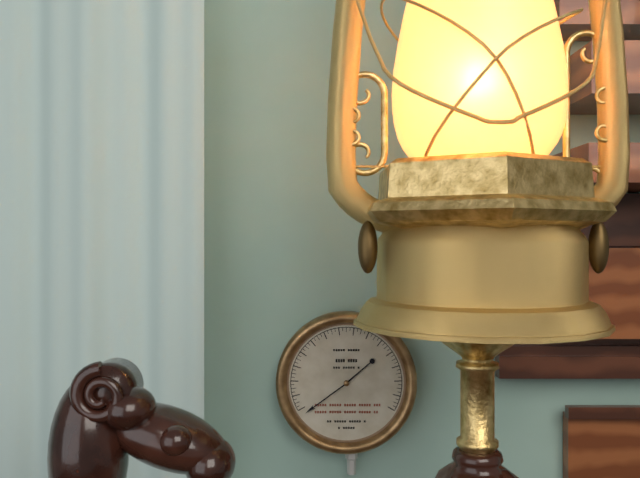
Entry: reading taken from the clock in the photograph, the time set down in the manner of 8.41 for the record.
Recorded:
1.39
